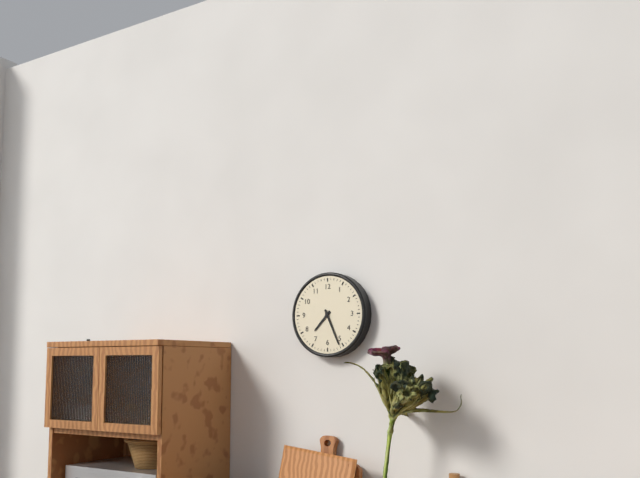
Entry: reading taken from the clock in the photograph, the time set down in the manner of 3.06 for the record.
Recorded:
7.26
